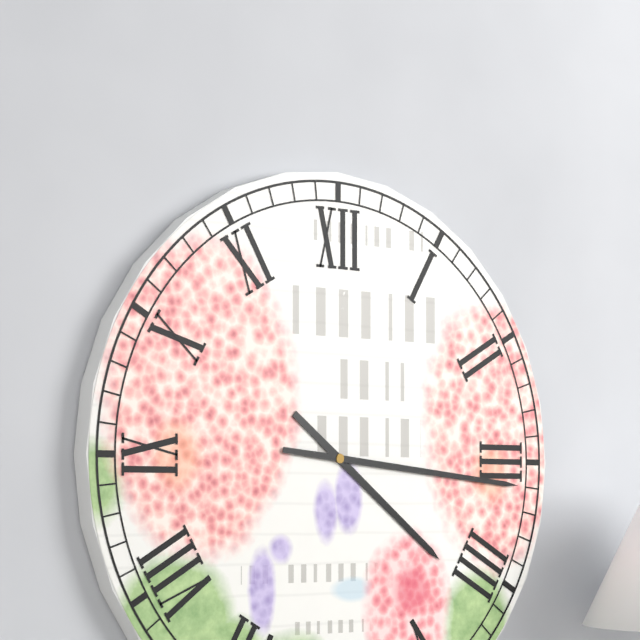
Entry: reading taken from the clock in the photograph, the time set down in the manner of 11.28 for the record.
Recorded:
4.16
